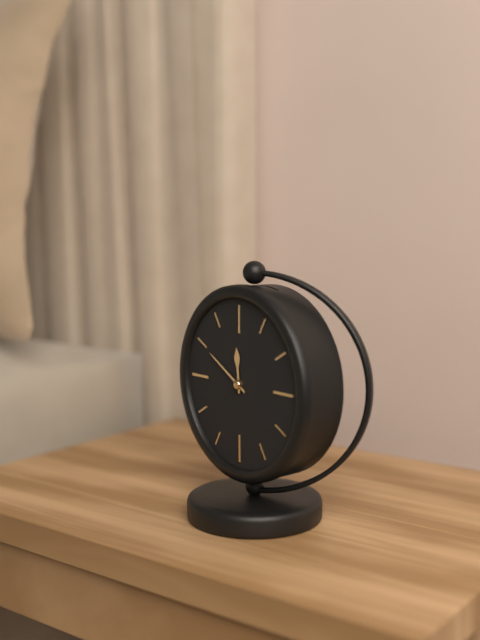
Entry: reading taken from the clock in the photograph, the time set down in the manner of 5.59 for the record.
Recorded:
11.50
